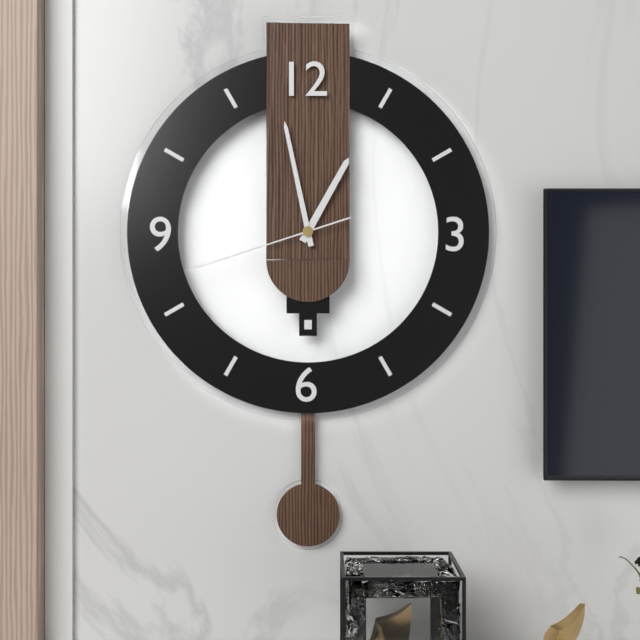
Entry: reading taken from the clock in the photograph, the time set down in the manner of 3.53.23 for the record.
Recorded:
12.58.42
